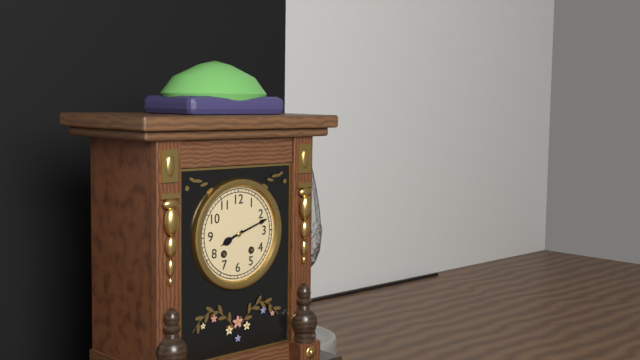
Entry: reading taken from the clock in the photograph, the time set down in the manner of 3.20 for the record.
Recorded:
8.12
